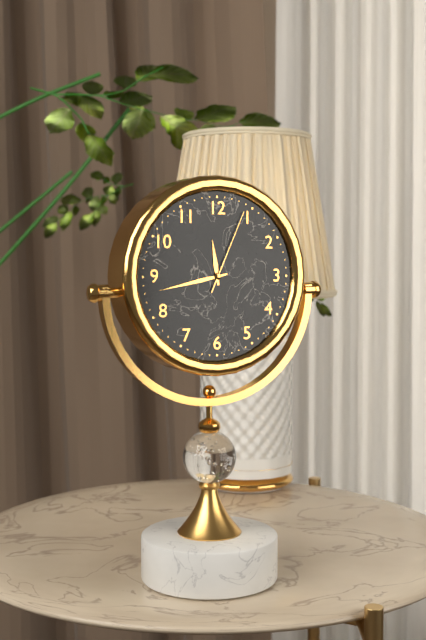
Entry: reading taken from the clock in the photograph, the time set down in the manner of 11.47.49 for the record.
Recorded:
11.43.04
